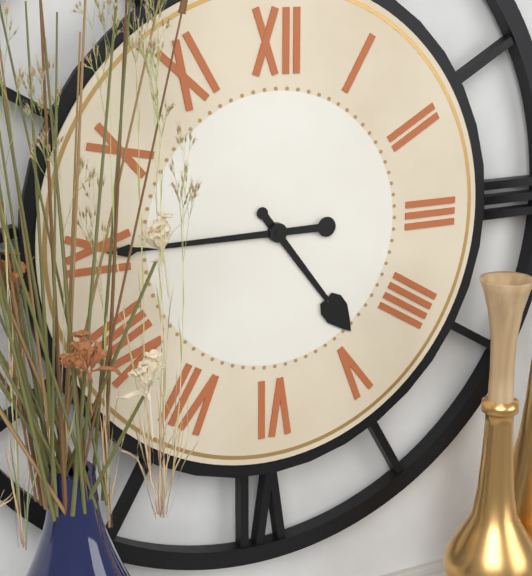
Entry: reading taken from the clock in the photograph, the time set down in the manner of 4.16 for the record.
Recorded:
4.45
